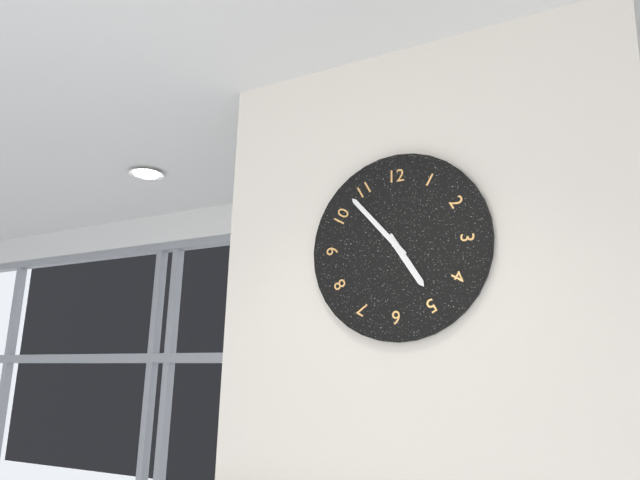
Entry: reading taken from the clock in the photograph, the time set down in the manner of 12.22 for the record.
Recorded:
4.53
